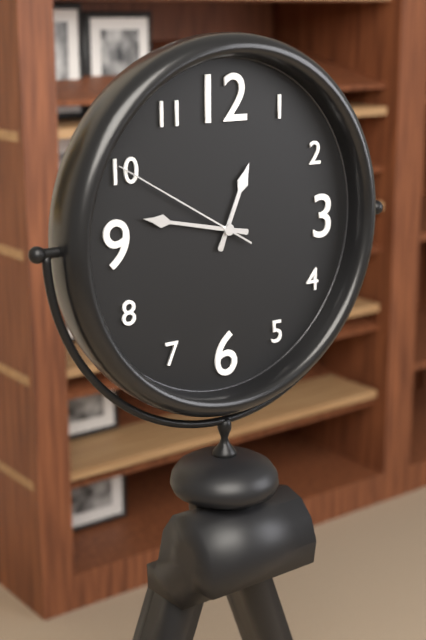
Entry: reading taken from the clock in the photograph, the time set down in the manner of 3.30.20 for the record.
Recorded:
12.47.50
